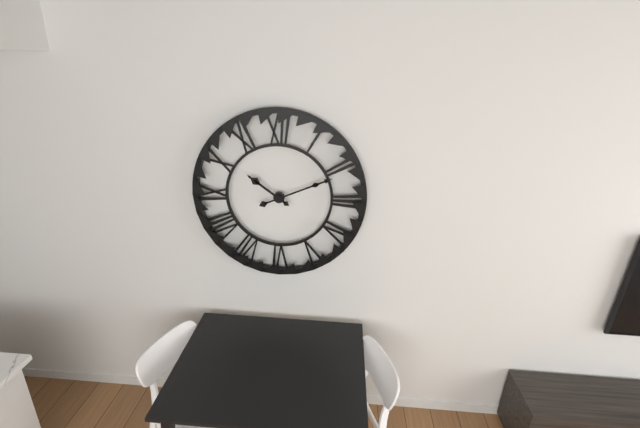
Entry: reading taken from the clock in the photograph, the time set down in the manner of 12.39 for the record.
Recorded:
10.11
